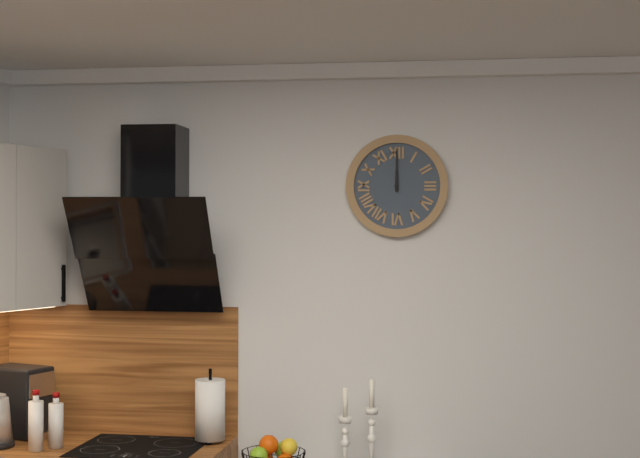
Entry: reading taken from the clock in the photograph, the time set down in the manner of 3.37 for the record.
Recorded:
12.00
